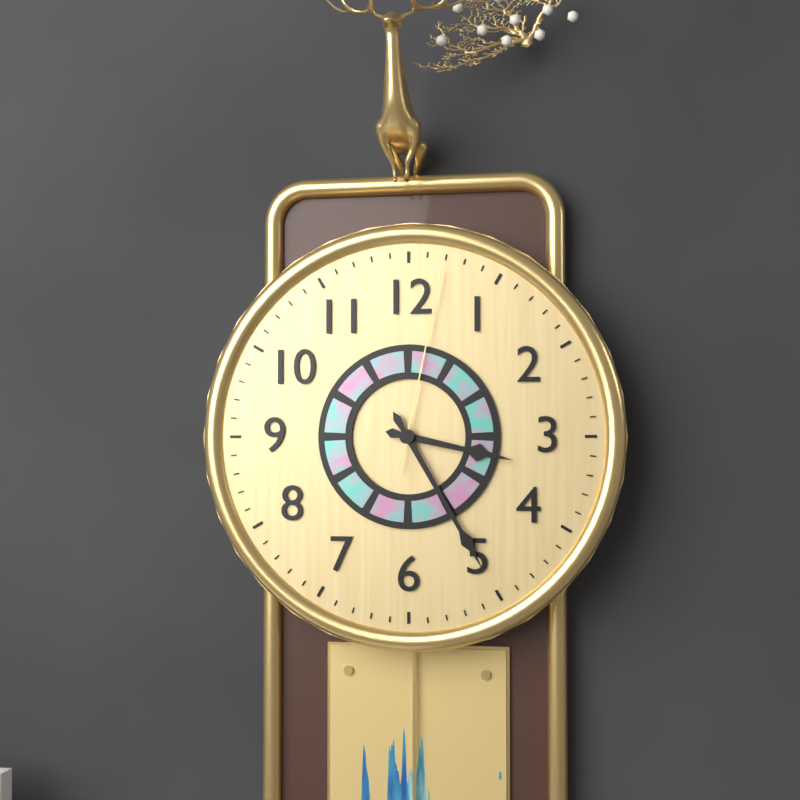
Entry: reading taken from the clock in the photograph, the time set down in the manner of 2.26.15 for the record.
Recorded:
3.25.02
